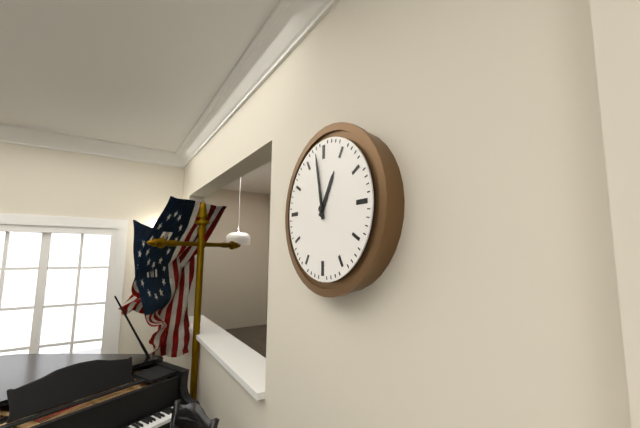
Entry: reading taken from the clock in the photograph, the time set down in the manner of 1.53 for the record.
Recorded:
12.58
